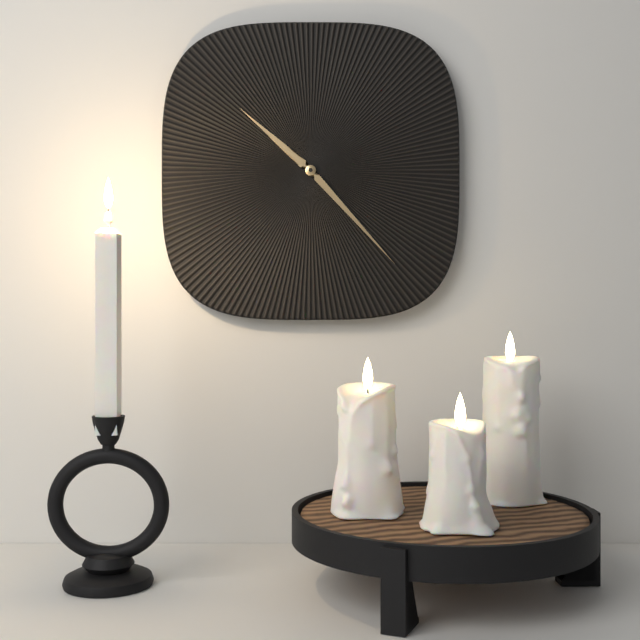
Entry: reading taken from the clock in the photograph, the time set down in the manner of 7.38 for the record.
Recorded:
10.23
